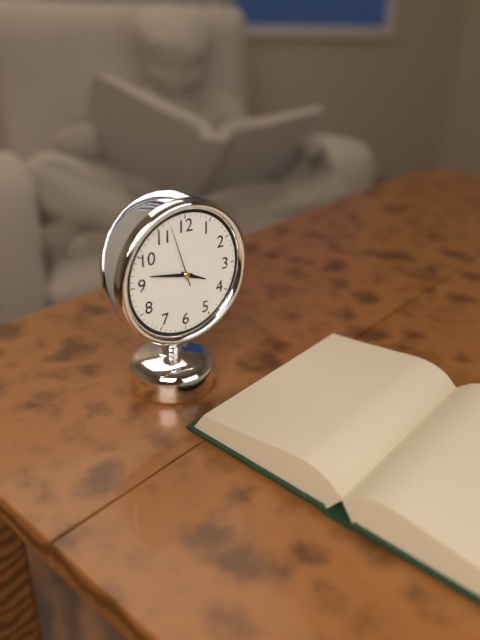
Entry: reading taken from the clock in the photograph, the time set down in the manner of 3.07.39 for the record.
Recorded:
3.47.57
